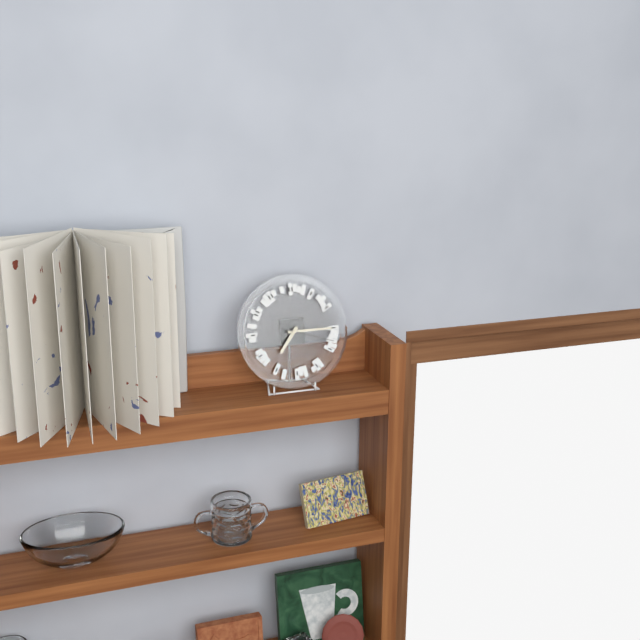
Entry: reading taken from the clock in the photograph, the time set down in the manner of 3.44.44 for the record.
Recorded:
7.15.18
